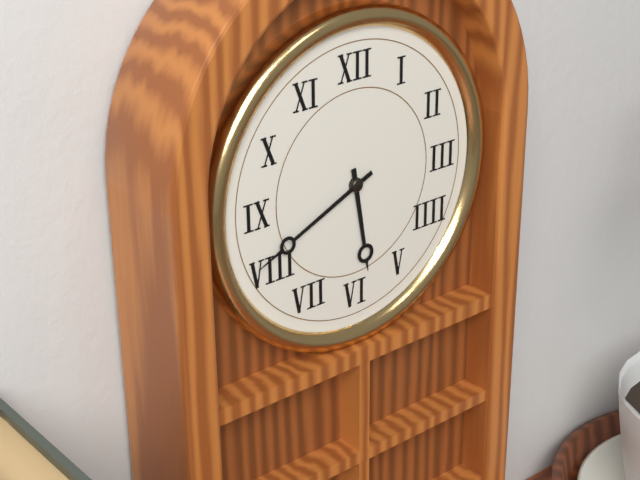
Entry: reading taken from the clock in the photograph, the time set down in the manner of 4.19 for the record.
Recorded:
5.41
